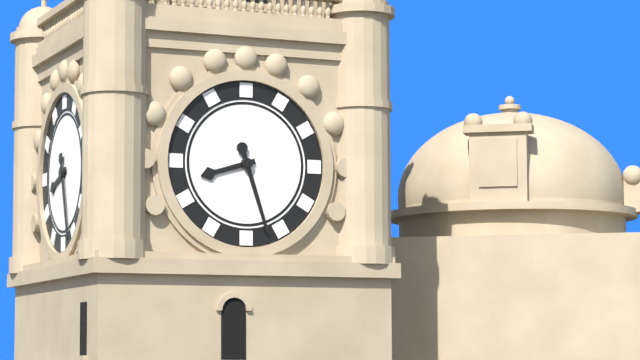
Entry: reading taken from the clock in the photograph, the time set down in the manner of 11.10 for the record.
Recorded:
8.27
